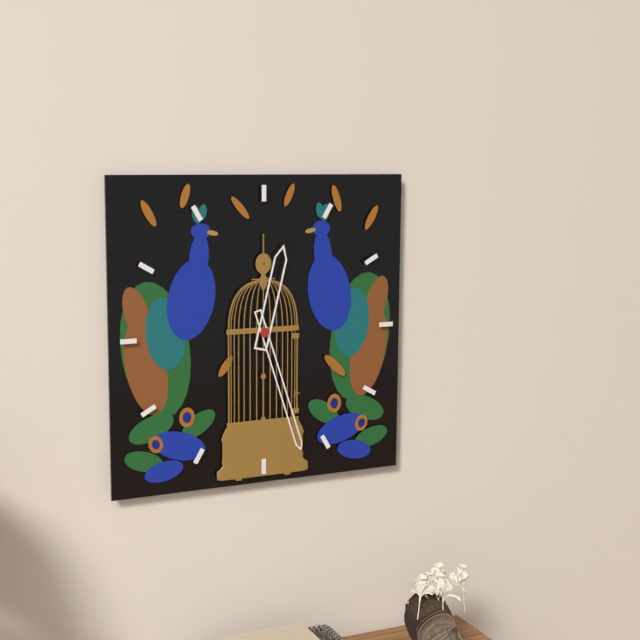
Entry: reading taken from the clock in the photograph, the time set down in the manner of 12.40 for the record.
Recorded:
12.27
